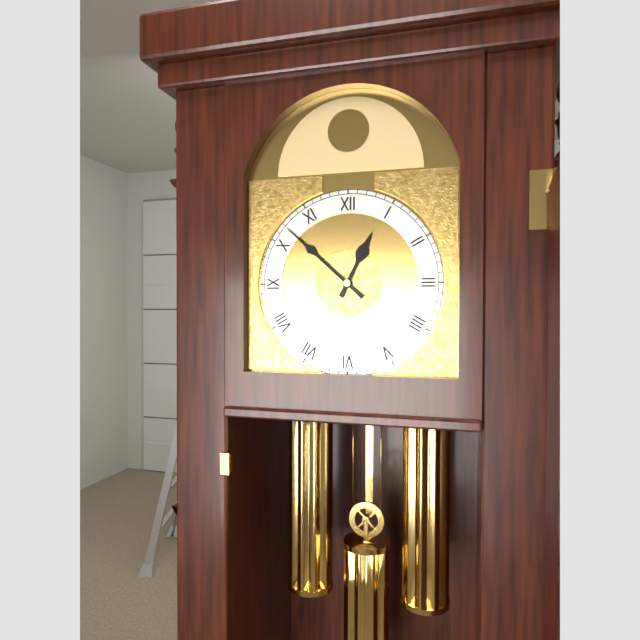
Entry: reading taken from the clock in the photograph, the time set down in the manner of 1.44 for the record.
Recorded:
12.52
